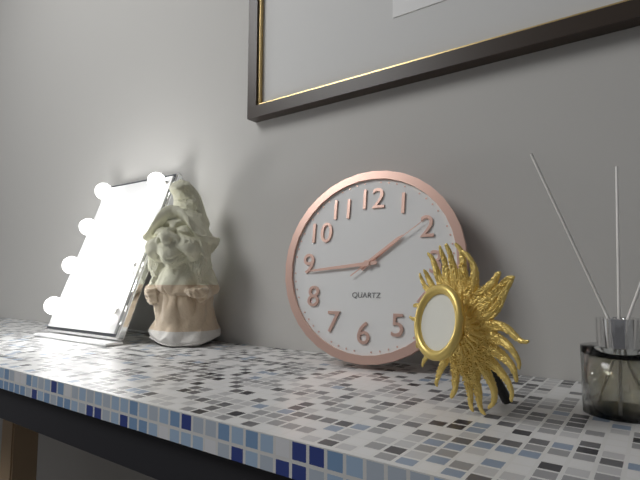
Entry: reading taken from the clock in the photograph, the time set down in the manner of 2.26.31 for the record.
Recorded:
1.44.09
